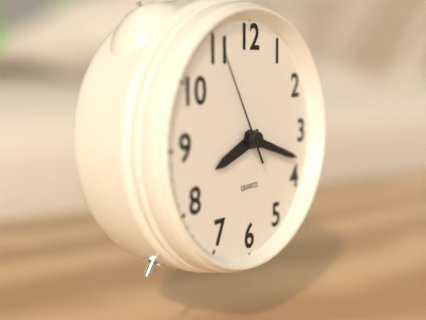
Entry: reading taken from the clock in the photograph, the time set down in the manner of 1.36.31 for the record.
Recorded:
8.18.55
